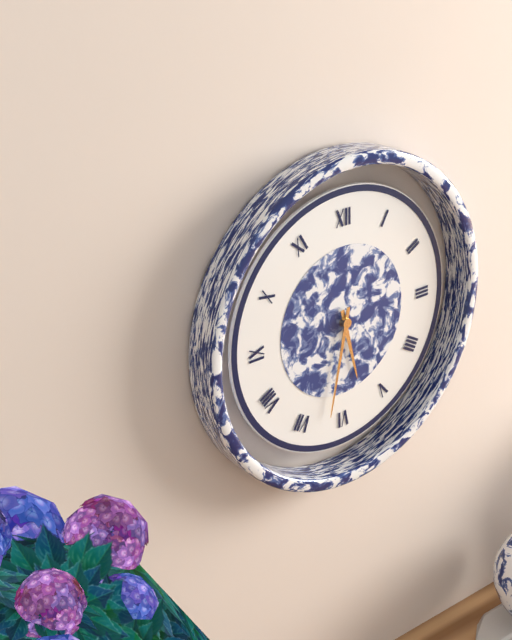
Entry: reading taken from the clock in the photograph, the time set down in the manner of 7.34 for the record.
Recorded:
5.32
